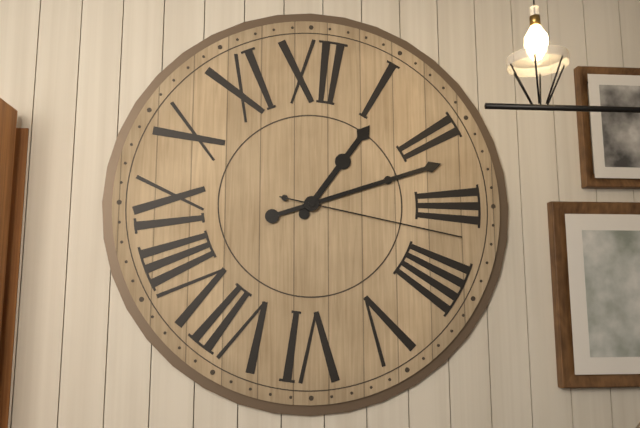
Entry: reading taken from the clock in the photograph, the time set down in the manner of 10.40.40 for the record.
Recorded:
1.12.17
